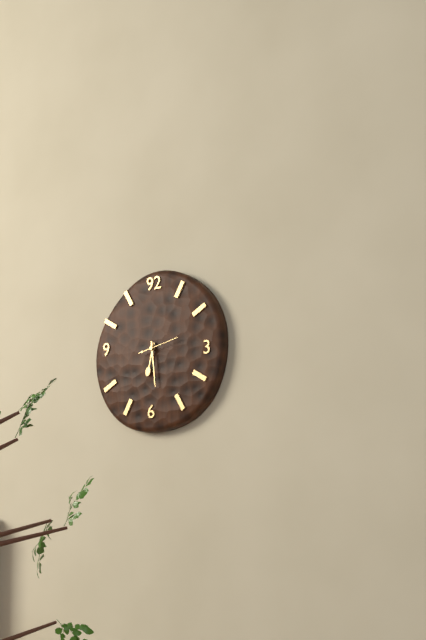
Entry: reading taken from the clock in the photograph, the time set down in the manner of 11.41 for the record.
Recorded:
6.29
